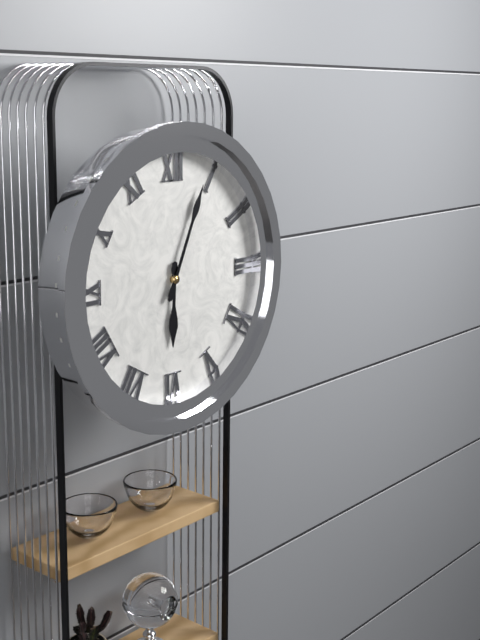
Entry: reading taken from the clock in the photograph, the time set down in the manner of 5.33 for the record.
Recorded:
6.04
